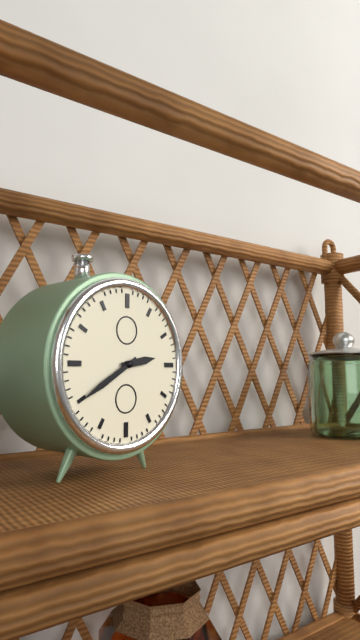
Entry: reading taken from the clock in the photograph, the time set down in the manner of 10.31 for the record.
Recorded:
2.40
